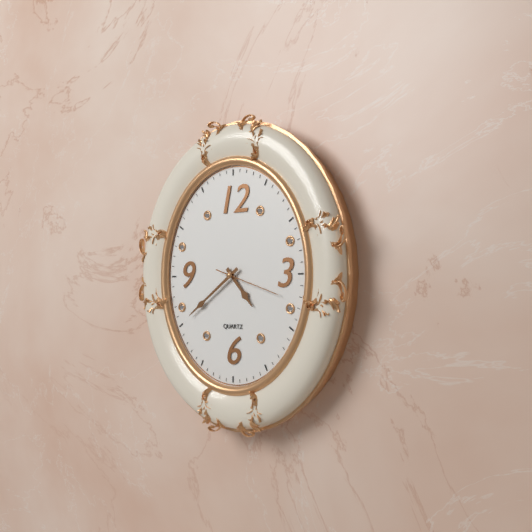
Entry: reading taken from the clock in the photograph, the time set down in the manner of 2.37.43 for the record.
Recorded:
4.39.18
